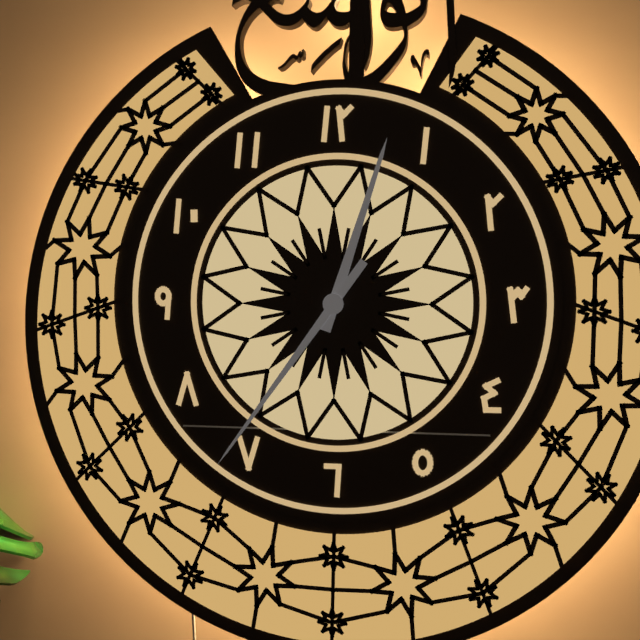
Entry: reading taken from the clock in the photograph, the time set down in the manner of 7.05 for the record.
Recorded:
12.36
